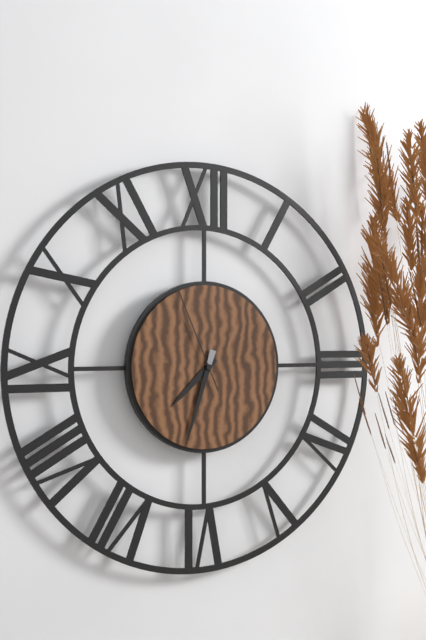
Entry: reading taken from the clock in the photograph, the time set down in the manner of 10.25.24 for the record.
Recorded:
7.33.56
